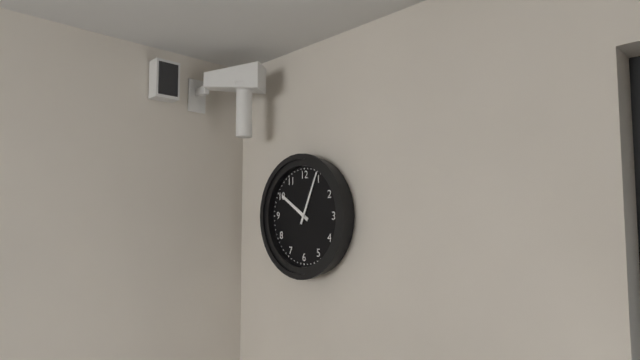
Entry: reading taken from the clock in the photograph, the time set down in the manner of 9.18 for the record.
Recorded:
10.04
